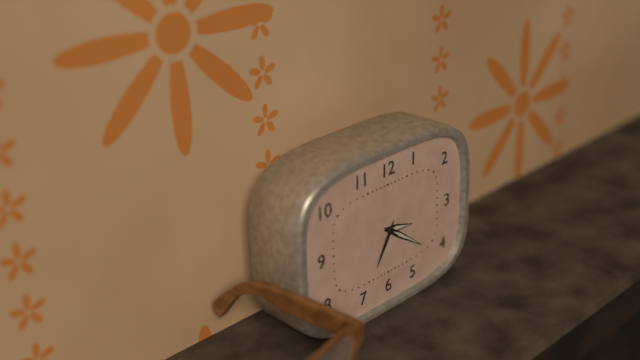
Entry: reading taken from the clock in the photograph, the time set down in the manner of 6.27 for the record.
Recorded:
3.21
